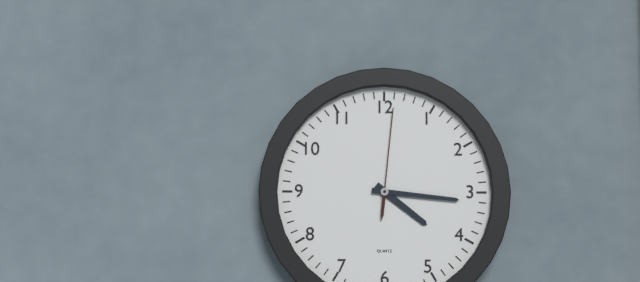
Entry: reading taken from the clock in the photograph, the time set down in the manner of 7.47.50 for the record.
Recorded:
4.16.01
